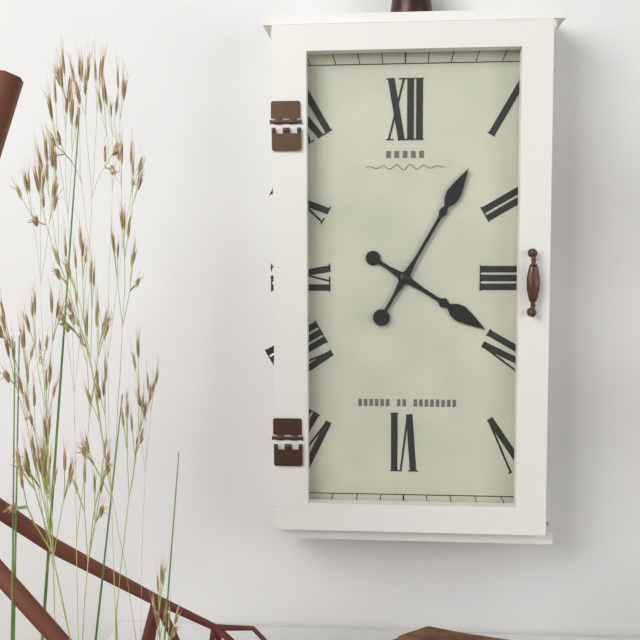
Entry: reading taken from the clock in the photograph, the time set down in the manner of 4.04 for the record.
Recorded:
4.05
